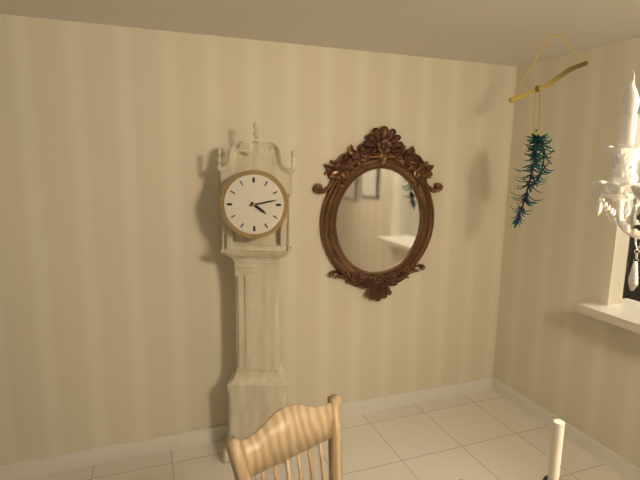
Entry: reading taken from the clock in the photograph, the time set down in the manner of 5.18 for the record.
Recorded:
4.13
